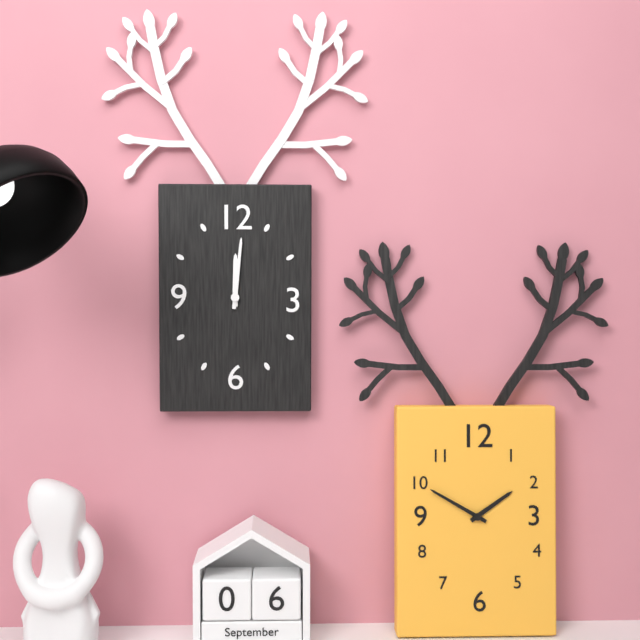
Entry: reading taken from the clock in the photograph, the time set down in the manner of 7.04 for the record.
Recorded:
12.01
